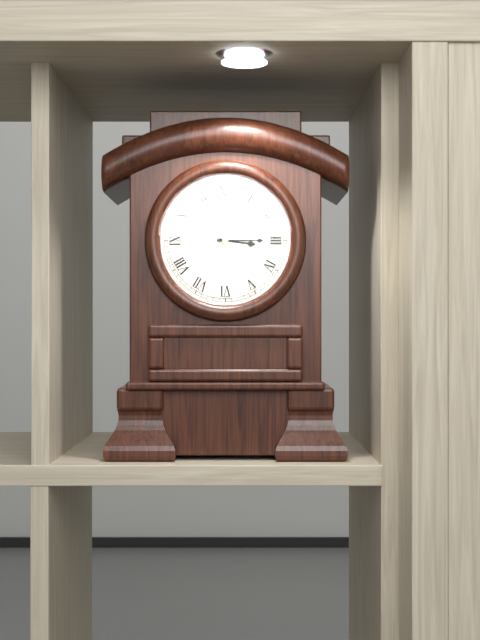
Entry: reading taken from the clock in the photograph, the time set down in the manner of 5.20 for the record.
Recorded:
3.15
